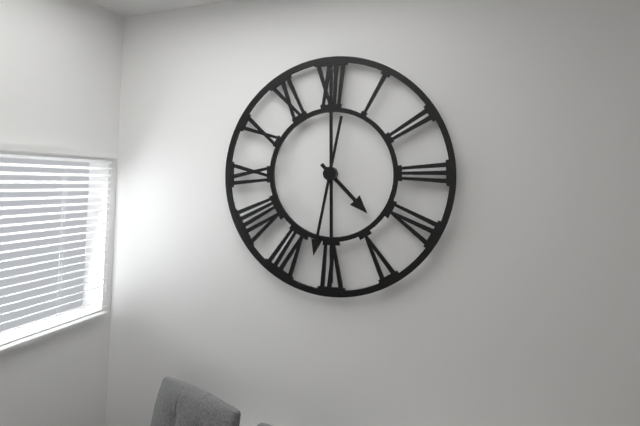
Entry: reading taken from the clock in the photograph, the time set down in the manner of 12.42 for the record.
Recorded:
4.32
